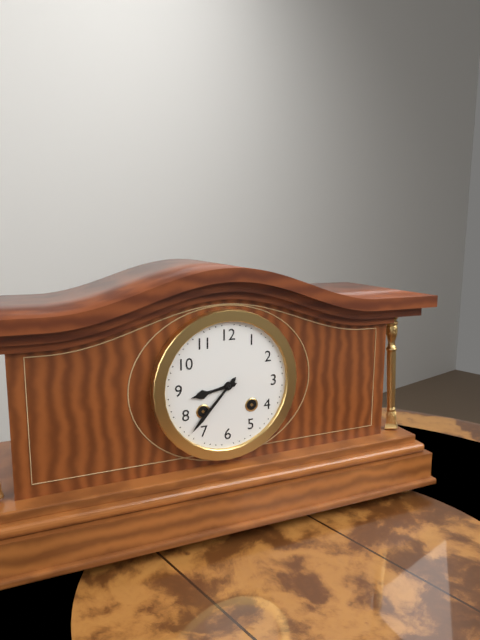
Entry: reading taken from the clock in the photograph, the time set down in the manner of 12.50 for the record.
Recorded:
8.37
